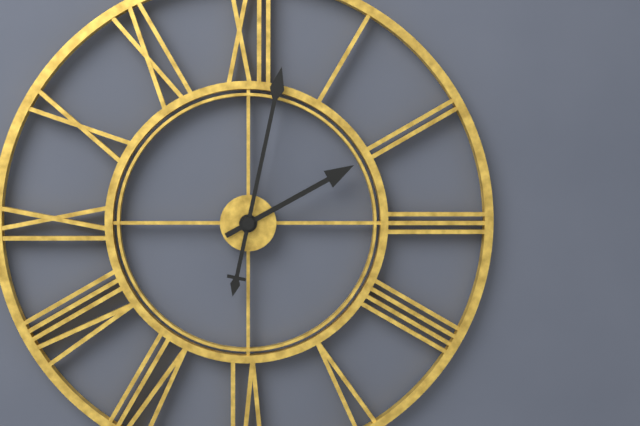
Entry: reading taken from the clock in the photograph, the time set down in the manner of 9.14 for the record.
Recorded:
2.02
